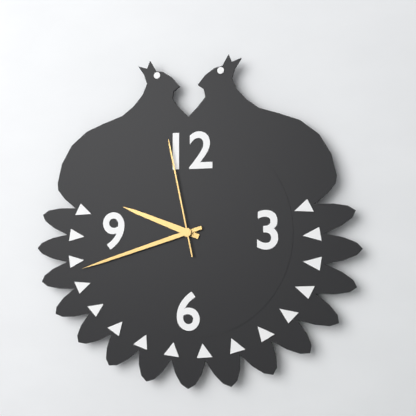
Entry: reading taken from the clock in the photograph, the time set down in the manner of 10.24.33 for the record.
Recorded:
9.42.58
